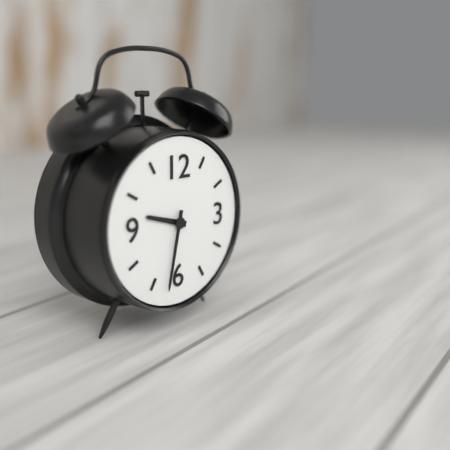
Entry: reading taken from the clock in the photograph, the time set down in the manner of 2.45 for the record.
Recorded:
9.32
